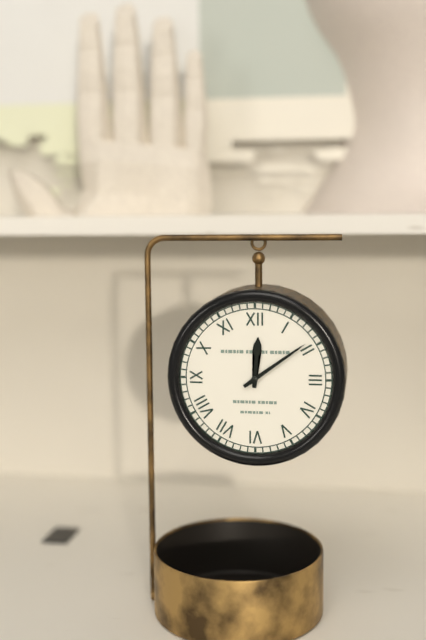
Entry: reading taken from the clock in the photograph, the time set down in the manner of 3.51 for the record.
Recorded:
12.09
